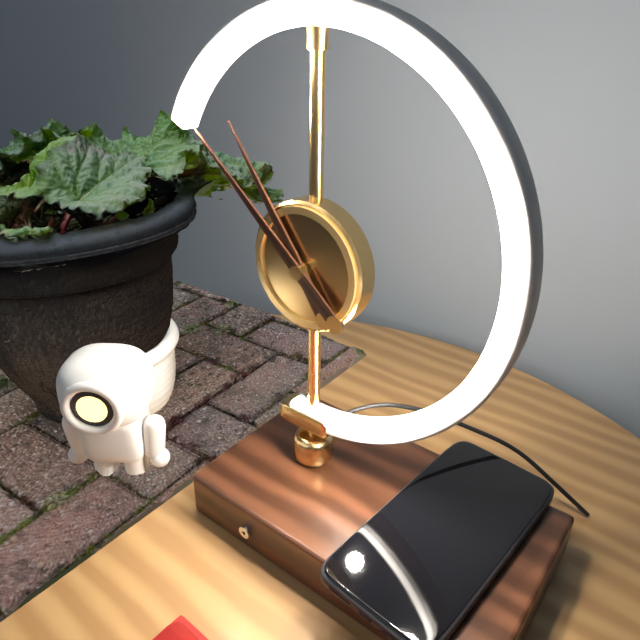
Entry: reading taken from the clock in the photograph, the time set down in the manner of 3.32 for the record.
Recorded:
10.52
